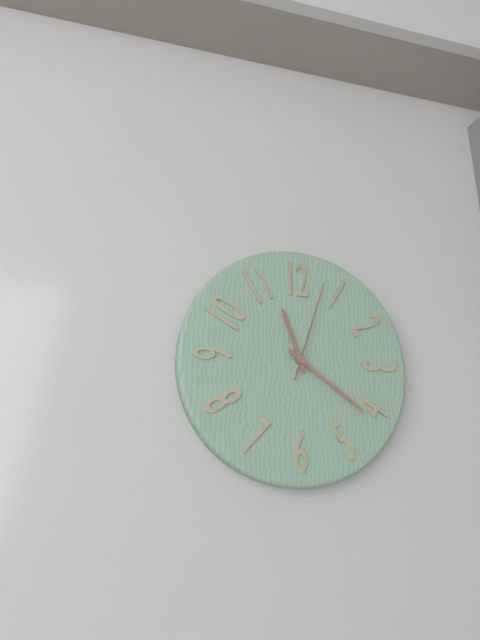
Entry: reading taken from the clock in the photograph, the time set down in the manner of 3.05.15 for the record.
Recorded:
11.21.03
